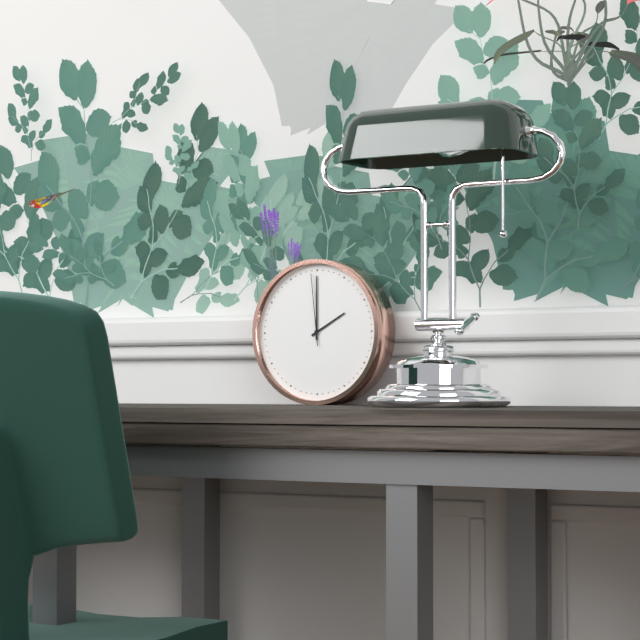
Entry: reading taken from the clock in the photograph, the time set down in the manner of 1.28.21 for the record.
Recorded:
2.00.59
